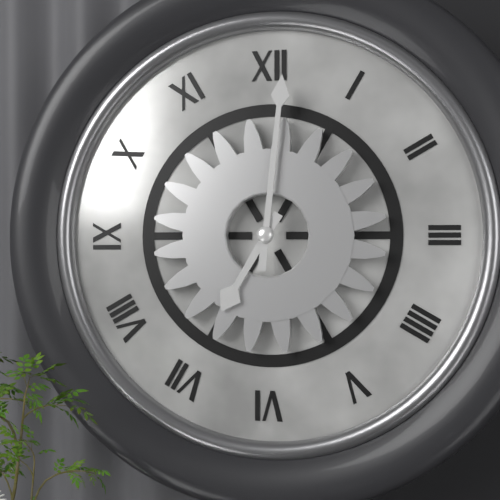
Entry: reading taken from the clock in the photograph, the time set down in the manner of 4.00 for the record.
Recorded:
7.01
